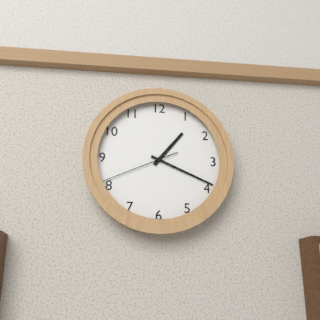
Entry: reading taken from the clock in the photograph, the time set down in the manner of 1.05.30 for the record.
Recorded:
1.19.41
